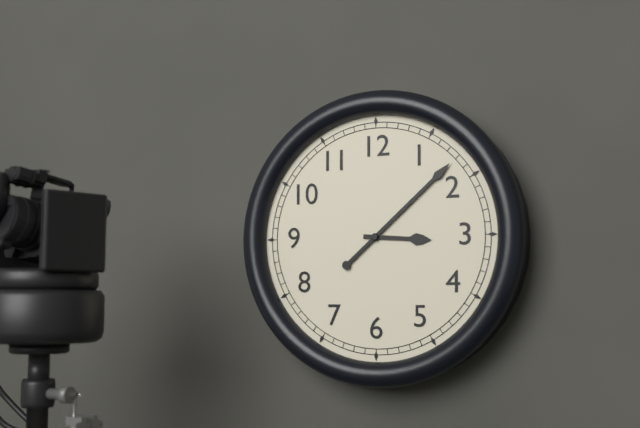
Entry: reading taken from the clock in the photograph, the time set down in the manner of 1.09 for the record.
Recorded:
3.08
